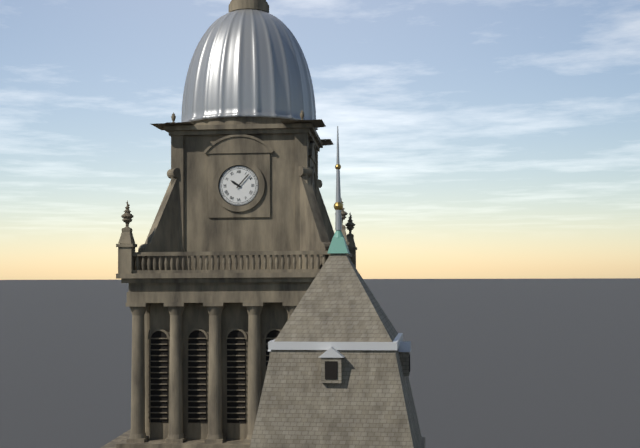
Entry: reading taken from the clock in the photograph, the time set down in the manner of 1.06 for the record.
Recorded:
10.07
